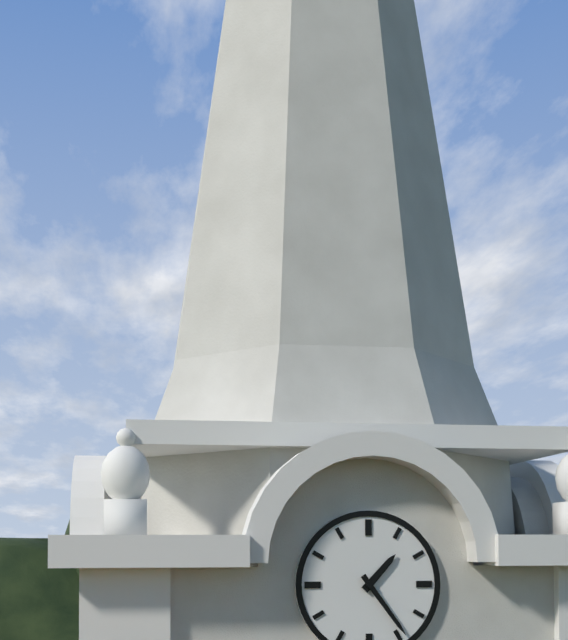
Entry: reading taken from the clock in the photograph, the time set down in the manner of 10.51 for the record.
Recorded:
1.24
